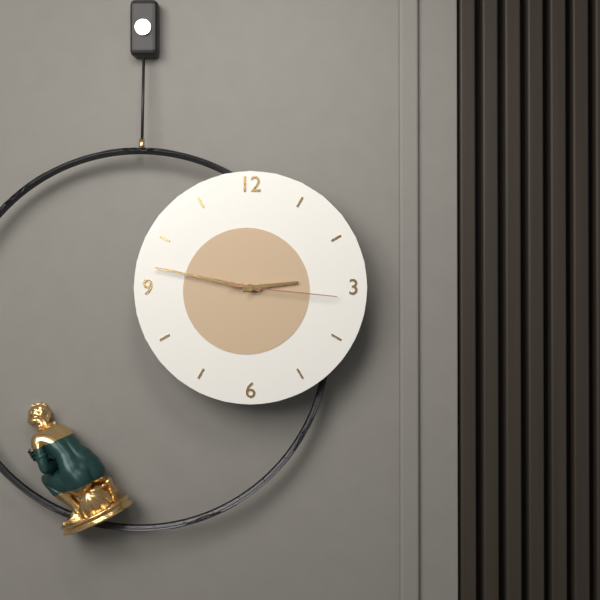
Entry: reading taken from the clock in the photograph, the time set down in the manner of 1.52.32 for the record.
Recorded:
2.47.16
